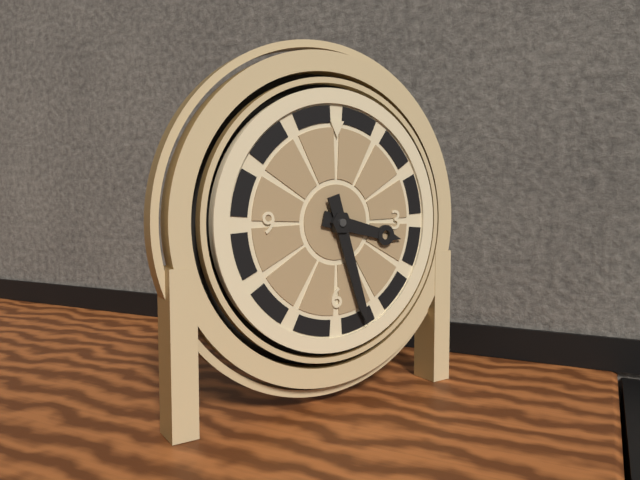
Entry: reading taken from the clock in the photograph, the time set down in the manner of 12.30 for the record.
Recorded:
3.27
